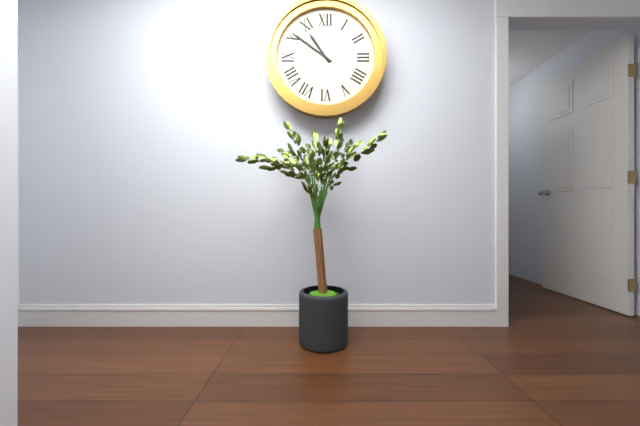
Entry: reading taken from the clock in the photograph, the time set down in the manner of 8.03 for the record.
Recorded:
10.51
